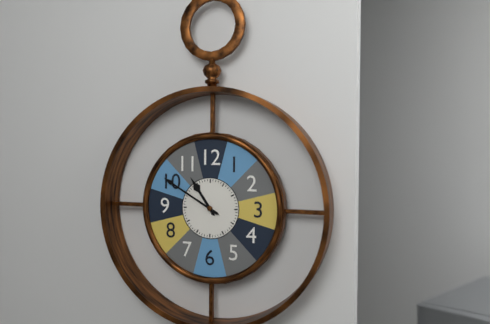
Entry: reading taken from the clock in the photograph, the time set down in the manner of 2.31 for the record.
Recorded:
10.50
